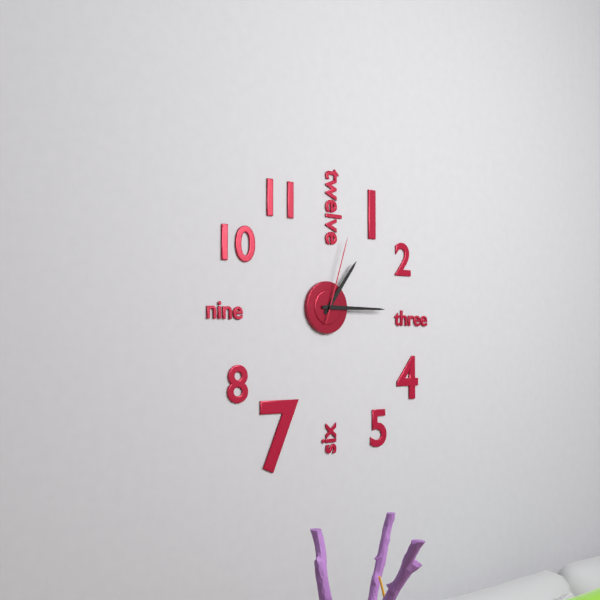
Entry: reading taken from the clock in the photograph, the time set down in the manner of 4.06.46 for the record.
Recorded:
1.15.03
